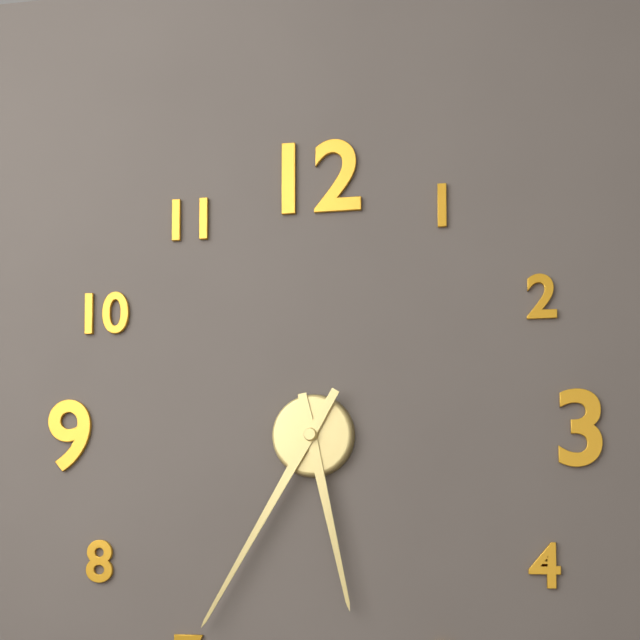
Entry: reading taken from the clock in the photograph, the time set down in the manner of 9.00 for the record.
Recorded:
5.35
